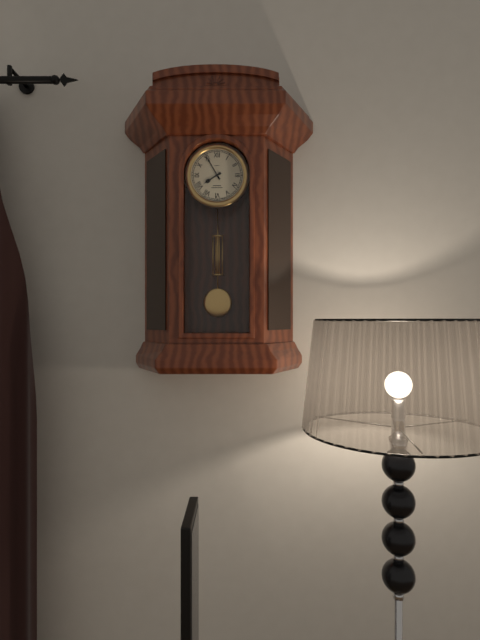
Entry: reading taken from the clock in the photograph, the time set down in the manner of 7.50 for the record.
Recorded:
7.55
